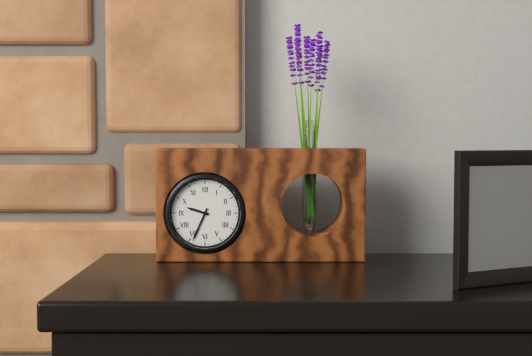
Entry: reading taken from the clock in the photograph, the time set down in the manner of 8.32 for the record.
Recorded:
9.34
